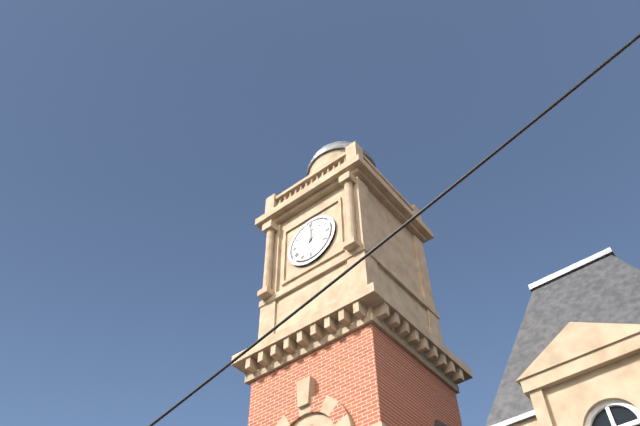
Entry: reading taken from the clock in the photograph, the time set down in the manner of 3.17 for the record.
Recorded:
12.06
